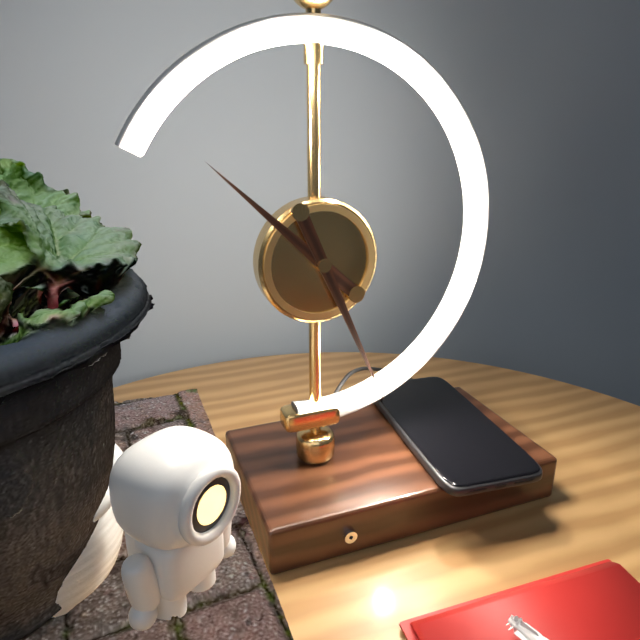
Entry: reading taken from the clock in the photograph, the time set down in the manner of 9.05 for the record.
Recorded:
10.26
